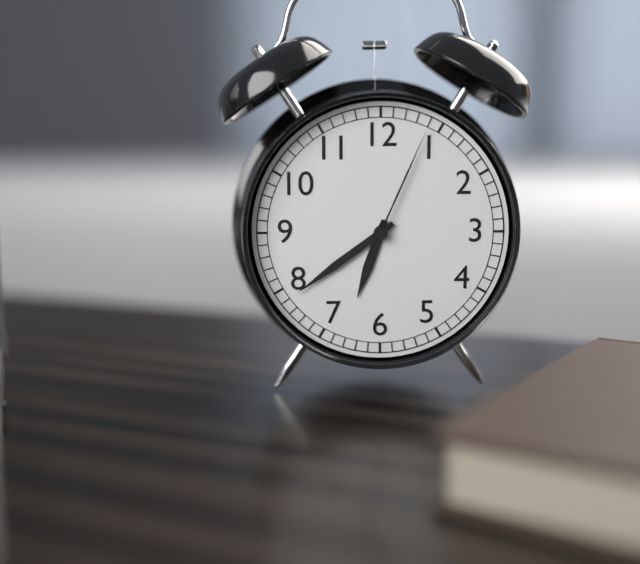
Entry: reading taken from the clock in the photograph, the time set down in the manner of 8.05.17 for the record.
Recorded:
6.39.04
